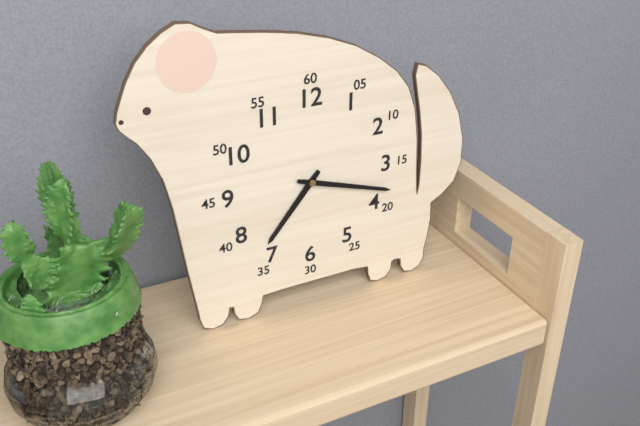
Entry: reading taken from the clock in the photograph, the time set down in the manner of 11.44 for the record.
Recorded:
7.18
